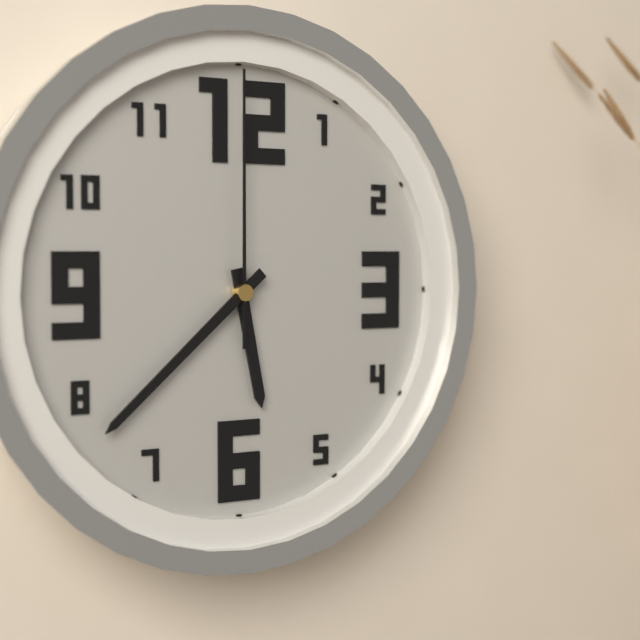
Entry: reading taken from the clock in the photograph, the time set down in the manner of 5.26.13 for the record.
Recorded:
5.38.00
